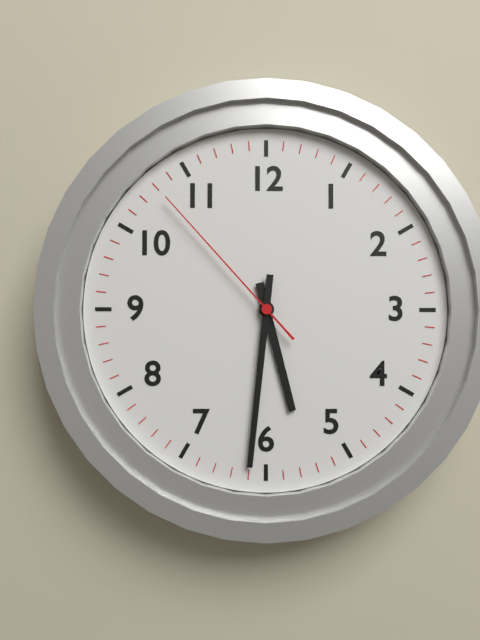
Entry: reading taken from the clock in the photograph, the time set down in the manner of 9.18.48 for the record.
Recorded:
5.31.53
